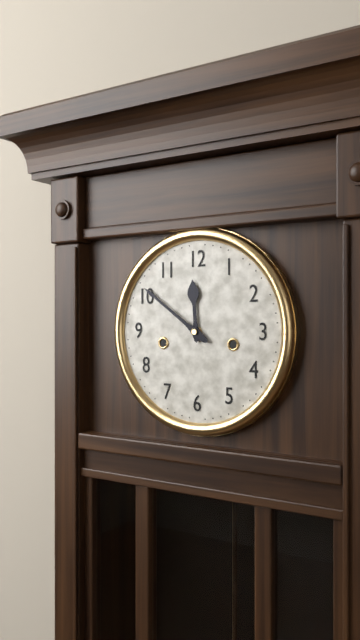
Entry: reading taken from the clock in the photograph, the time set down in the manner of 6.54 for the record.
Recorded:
11.51
